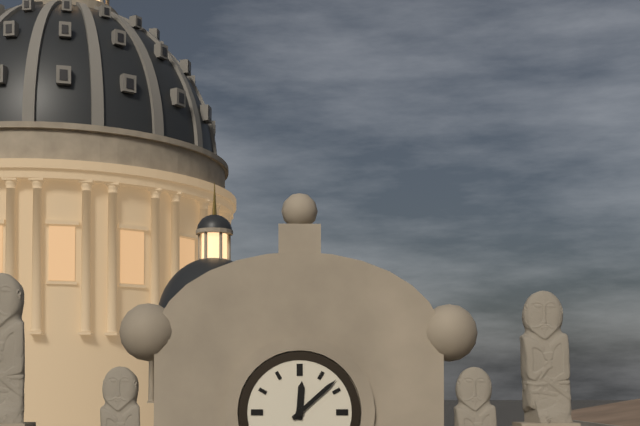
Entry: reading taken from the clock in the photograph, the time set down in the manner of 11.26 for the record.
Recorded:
12.08
